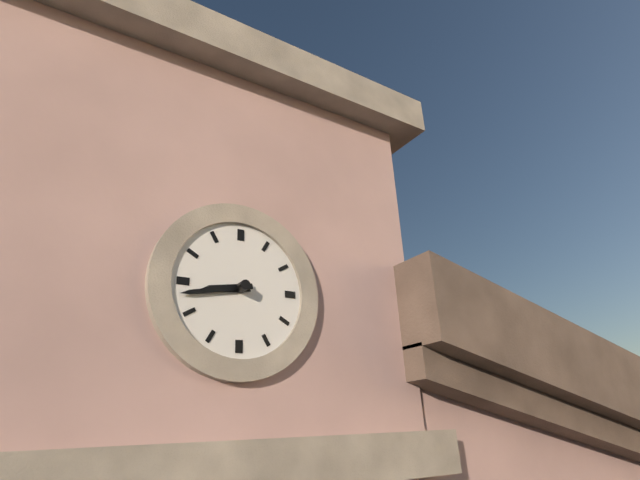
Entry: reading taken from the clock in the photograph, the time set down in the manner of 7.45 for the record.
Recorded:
8.43
